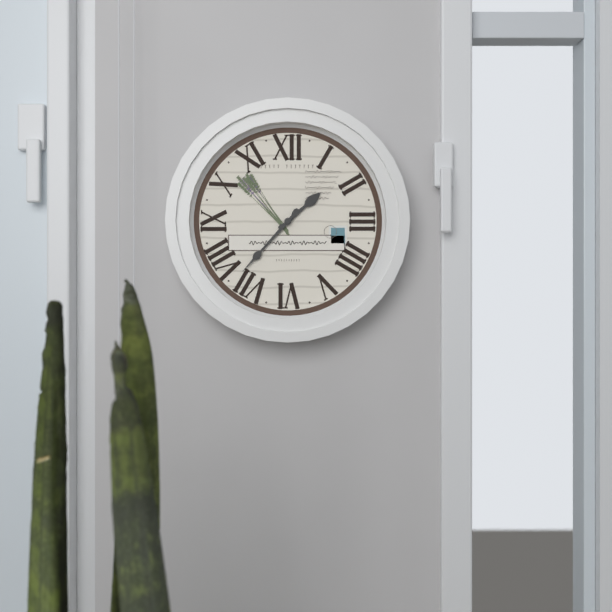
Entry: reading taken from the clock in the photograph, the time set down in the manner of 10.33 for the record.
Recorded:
1.37
